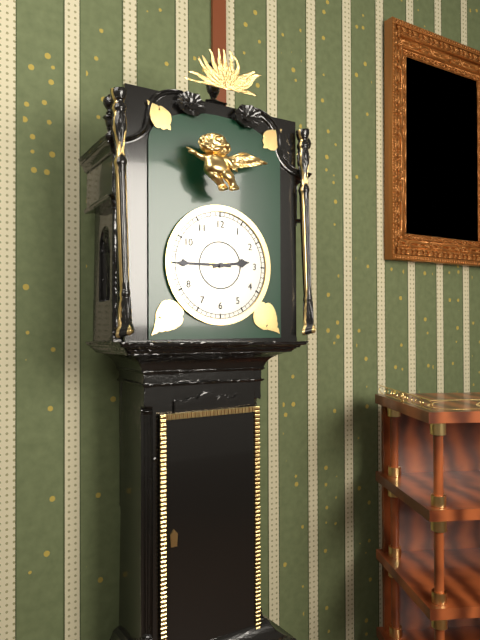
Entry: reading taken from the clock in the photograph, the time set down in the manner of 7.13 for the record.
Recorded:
2.45
